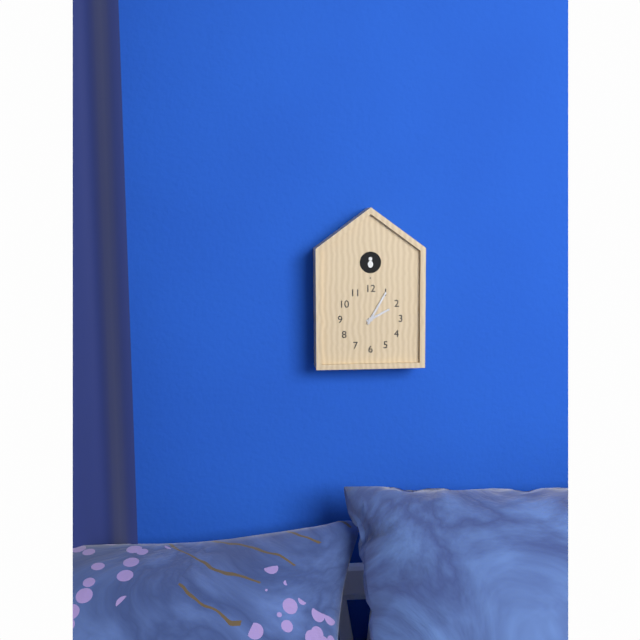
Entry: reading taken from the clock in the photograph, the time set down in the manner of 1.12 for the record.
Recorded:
2.05
